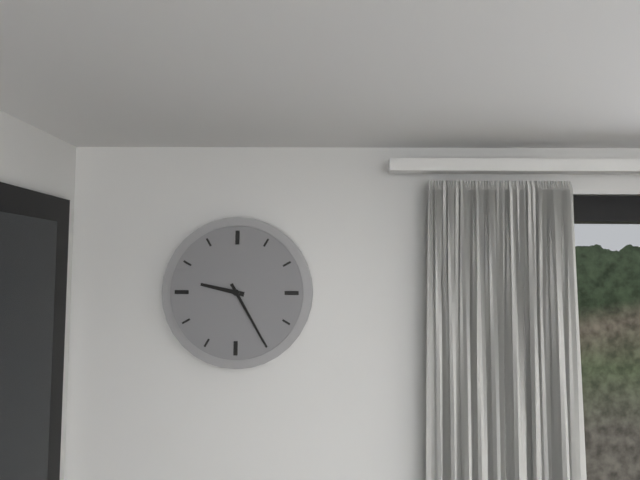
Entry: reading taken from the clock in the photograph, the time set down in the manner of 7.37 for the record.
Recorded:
9.25
